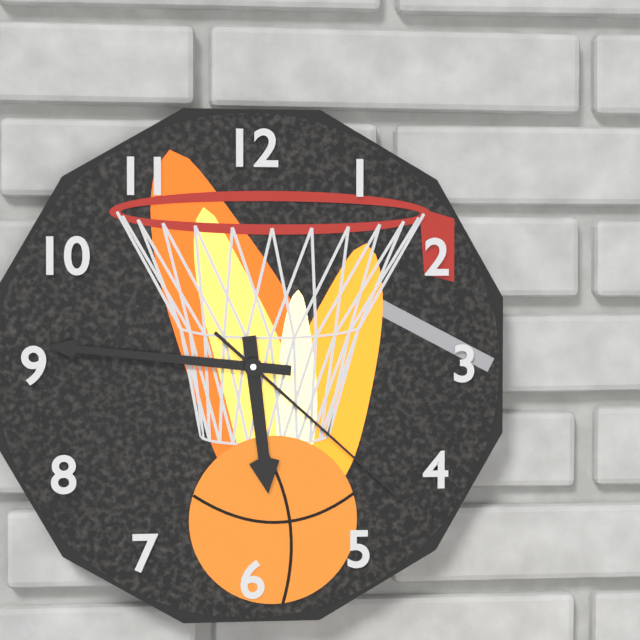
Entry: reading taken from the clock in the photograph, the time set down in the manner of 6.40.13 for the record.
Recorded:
5.46.22
